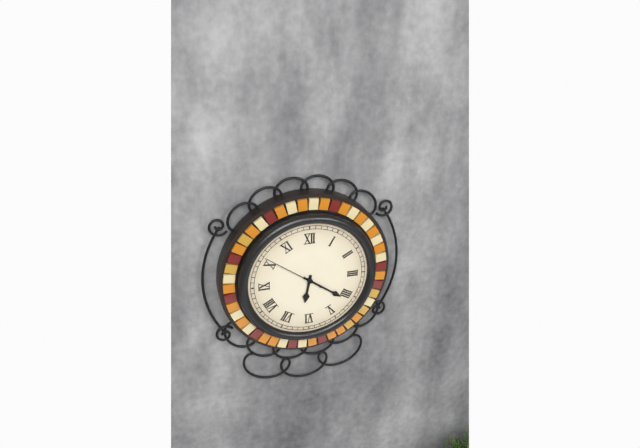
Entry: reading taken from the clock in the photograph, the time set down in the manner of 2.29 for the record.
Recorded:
6.21
